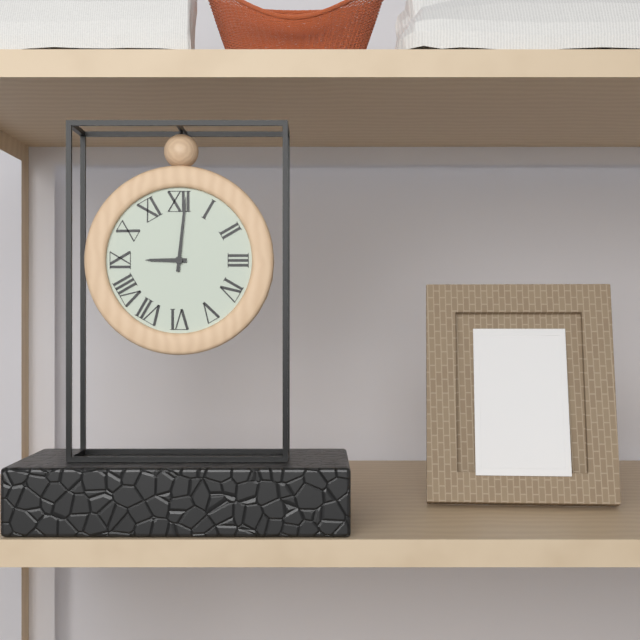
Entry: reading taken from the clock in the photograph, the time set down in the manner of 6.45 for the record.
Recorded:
9.01
